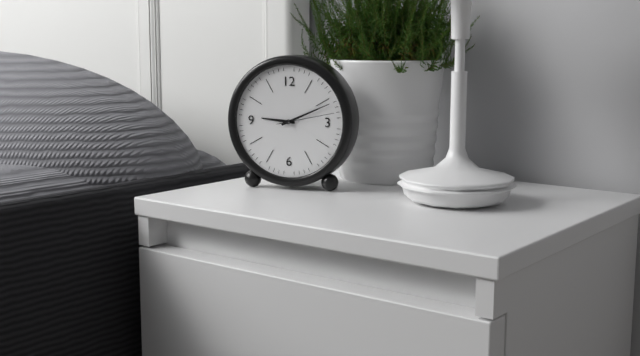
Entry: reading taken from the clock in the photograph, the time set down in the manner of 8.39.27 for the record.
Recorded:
9.11.13
